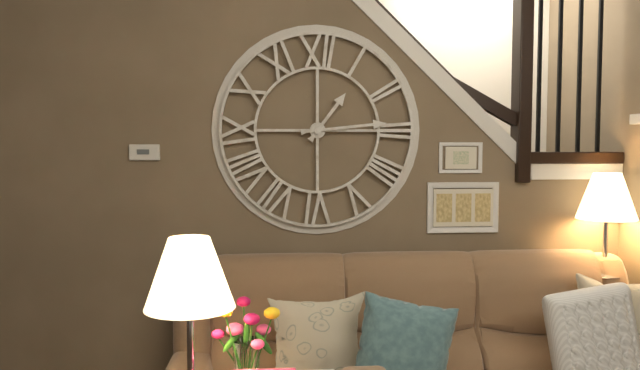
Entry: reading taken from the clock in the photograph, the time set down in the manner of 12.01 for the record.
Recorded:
1.14
